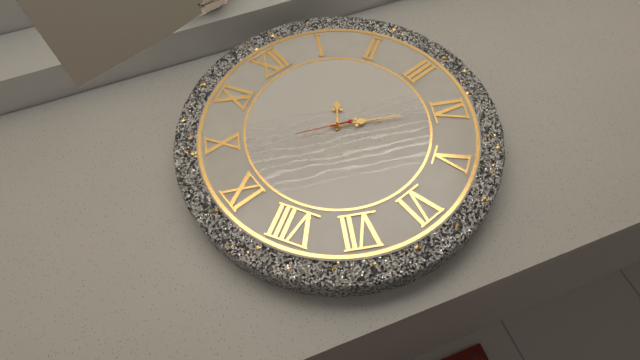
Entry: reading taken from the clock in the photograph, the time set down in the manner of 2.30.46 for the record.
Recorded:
1.20.49
